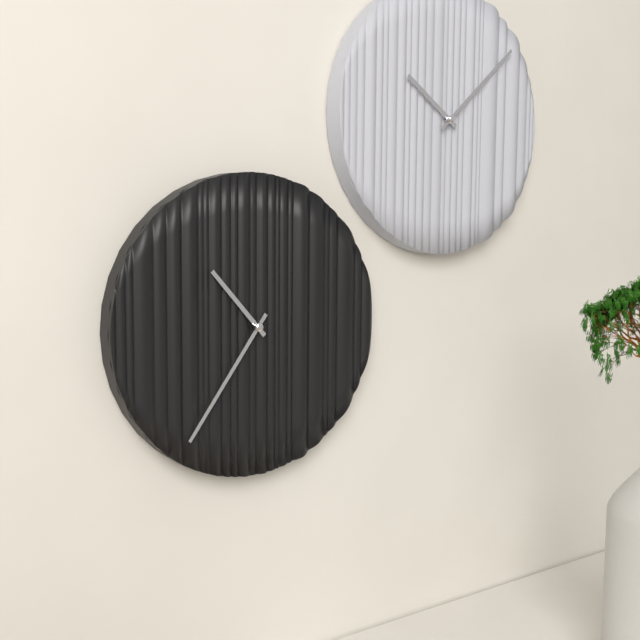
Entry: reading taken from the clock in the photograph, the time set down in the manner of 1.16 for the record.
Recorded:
10.36
